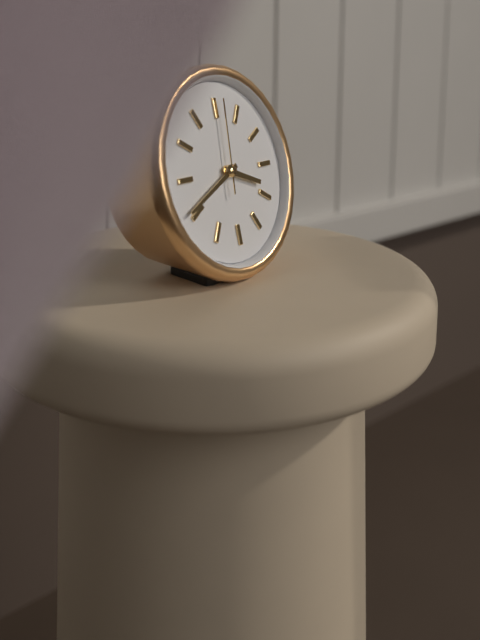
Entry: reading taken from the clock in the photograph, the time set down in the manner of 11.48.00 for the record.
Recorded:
3.41.01
